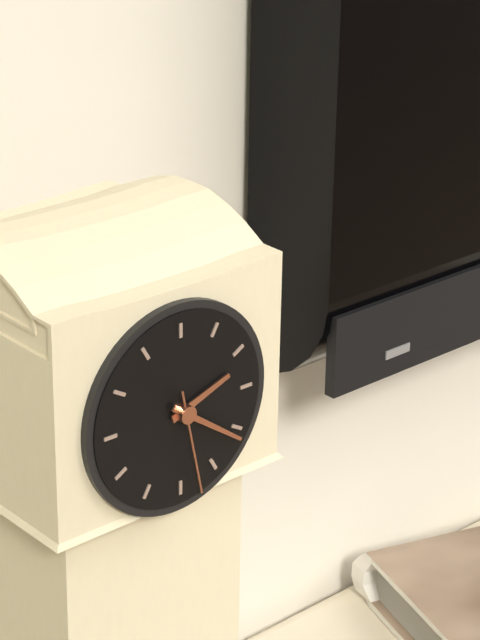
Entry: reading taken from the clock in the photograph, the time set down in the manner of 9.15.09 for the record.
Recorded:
2.21.28
